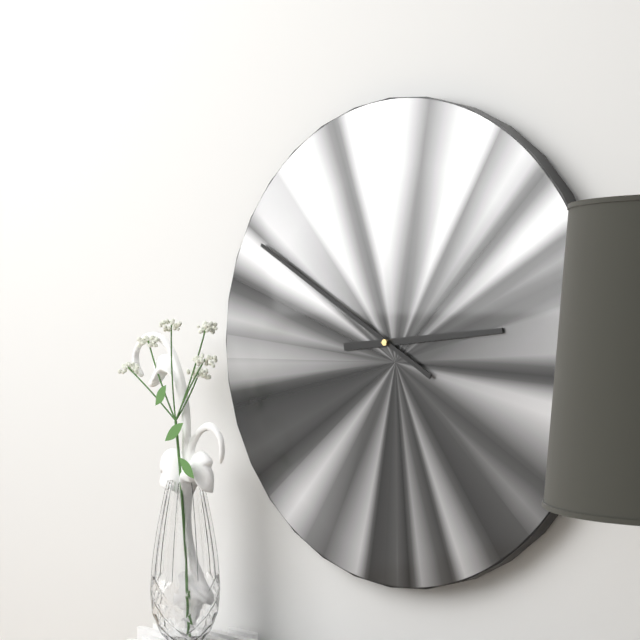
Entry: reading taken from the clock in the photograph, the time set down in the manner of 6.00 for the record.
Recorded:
2.50
